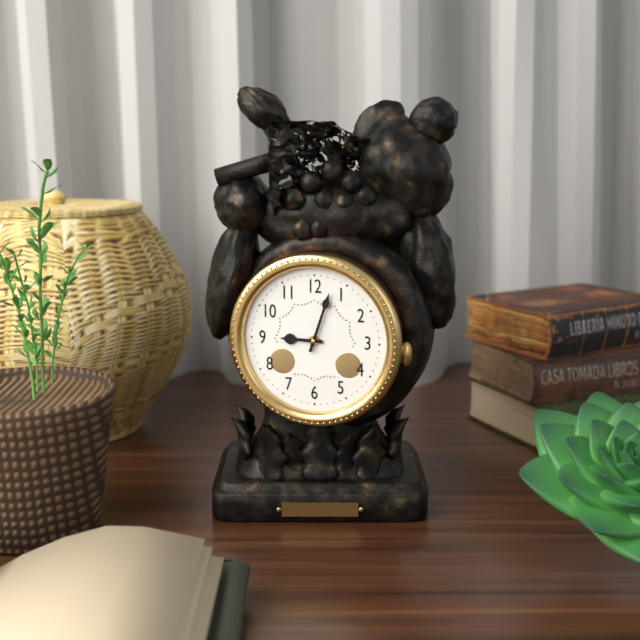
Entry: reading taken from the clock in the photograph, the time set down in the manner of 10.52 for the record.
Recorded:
9.03
